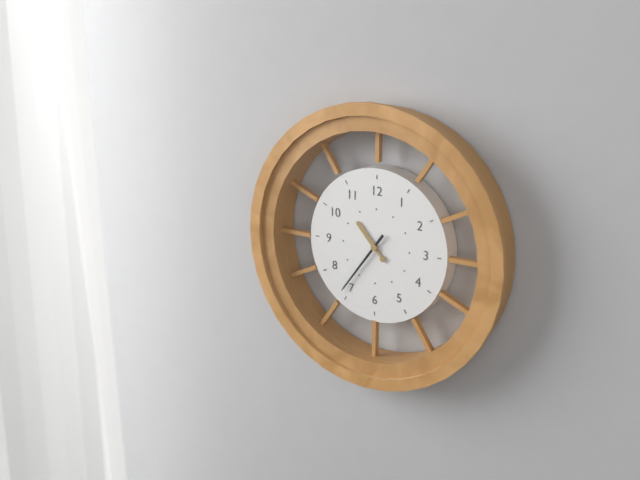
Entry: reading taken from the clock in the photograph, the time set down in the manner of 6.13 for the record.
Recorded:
10.36
